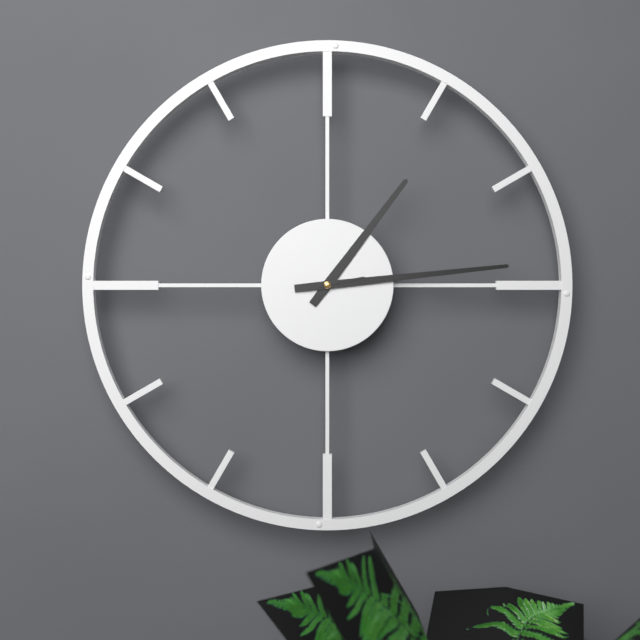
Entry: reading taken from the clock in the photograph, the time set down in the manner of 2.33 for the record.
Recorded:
1.14
